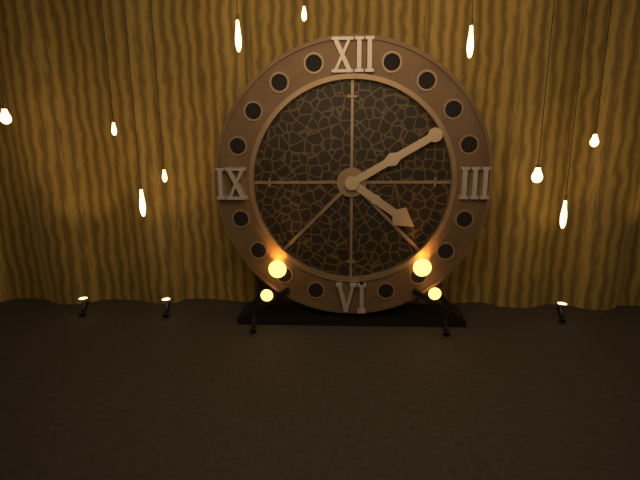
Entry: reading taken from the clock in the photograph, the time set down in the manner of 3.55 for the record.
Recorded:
4.10
